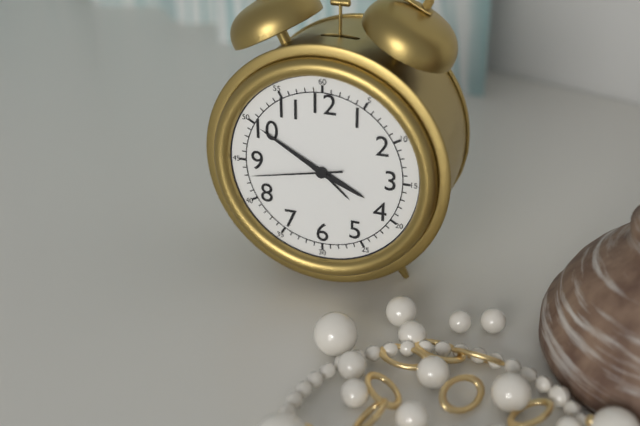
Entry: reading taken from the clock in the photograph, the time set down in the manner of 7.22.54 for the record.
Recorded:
3.50.43
